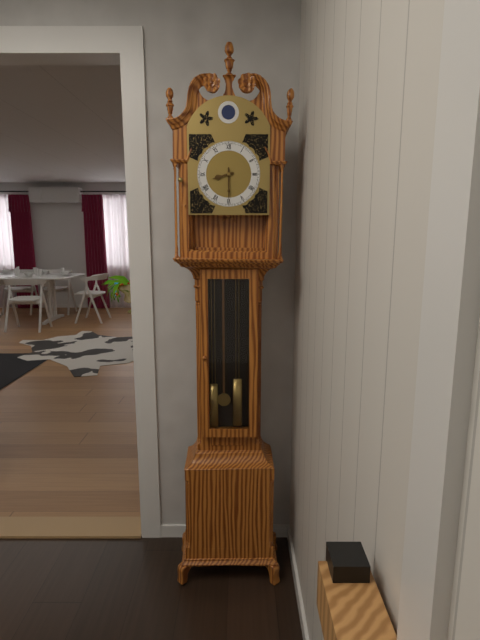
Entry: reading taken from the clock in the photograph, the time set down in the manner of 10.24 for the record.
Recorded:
8.30
